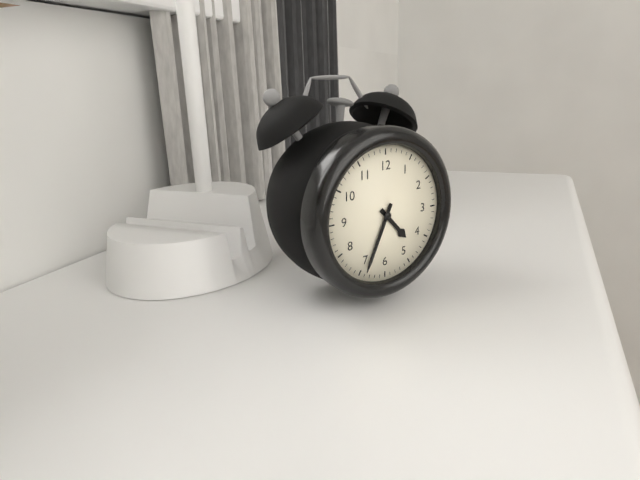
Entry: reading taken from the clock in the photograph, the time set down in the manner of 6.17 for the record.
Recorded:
4.34
